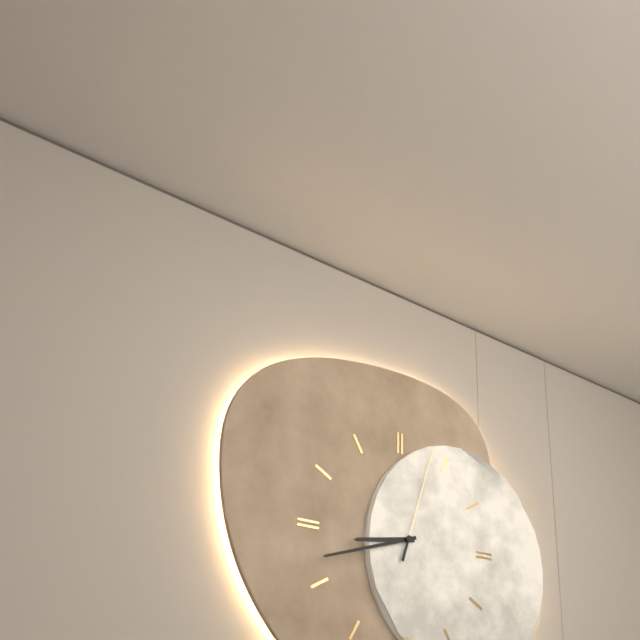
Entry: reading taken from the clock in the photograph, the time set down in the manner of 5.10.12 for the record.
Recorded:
8.42.03
